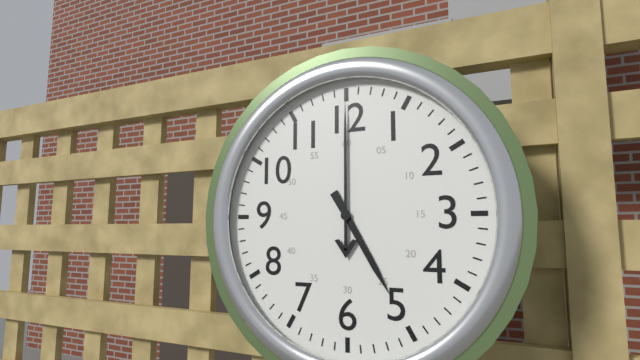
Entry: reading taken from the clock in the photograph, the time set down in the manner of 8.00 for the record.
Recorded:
5.00
